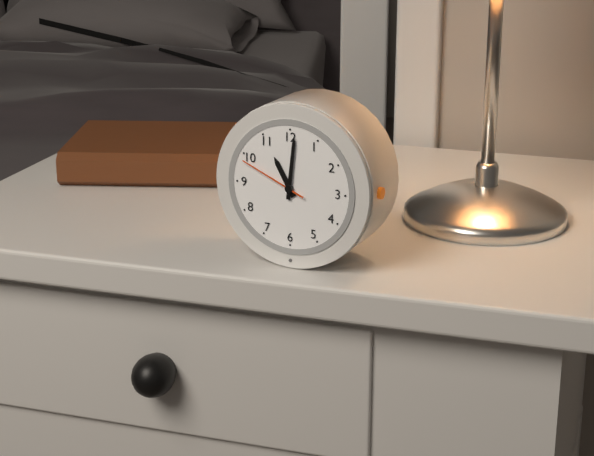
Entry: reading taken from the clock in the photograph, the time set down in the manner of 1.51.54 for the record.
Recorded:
11.01.49
